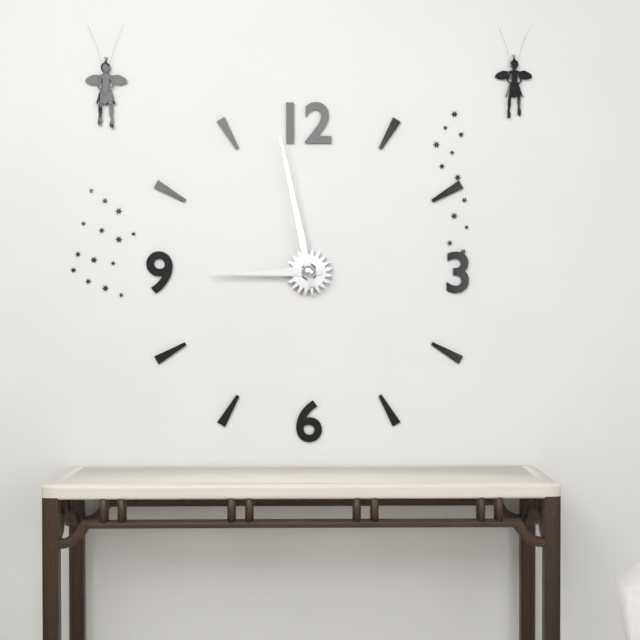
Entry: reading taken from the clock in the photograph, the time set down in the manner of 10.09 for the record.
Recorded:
8.58
